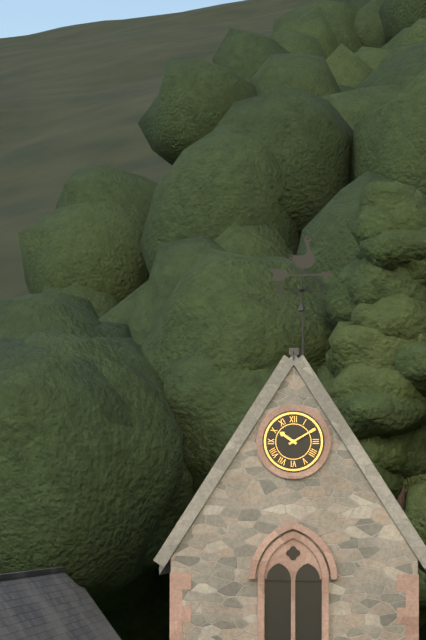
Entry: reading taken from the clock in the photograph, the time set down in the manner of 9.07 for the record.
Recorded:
10.10
